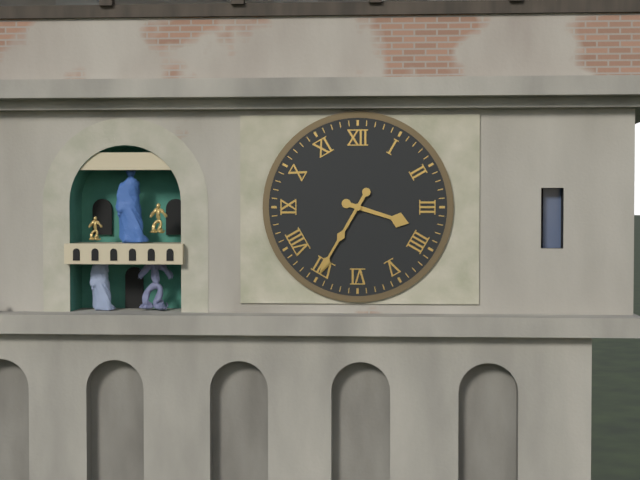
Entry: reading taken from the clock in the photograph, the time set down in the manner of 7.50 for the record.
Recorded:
3.35
